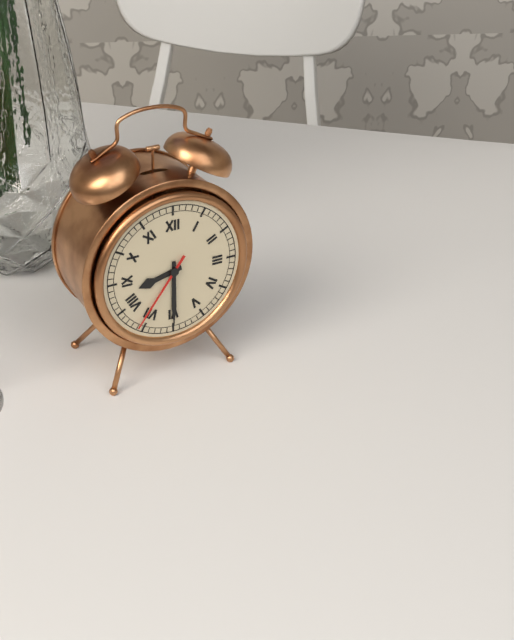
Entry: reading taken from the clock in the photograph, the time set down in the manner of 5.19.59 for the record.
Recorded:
8.30.36
